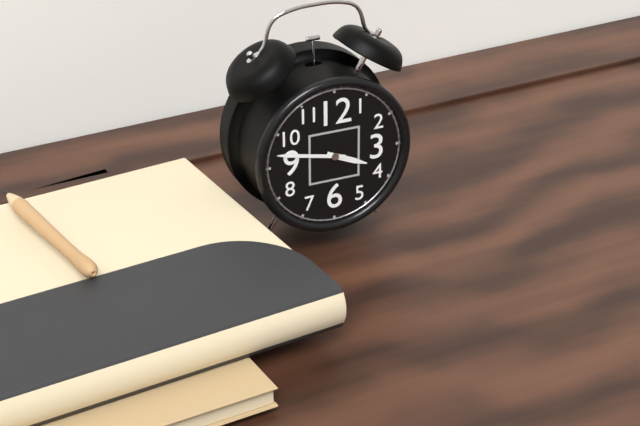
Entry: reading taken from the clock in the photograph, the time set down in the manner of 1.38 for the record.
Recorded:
3.47
